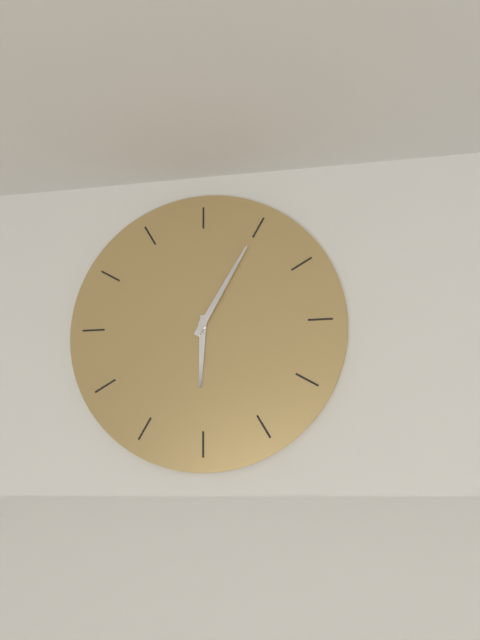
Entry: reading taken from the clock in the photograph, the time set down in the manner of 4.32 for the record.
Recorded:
6.05
